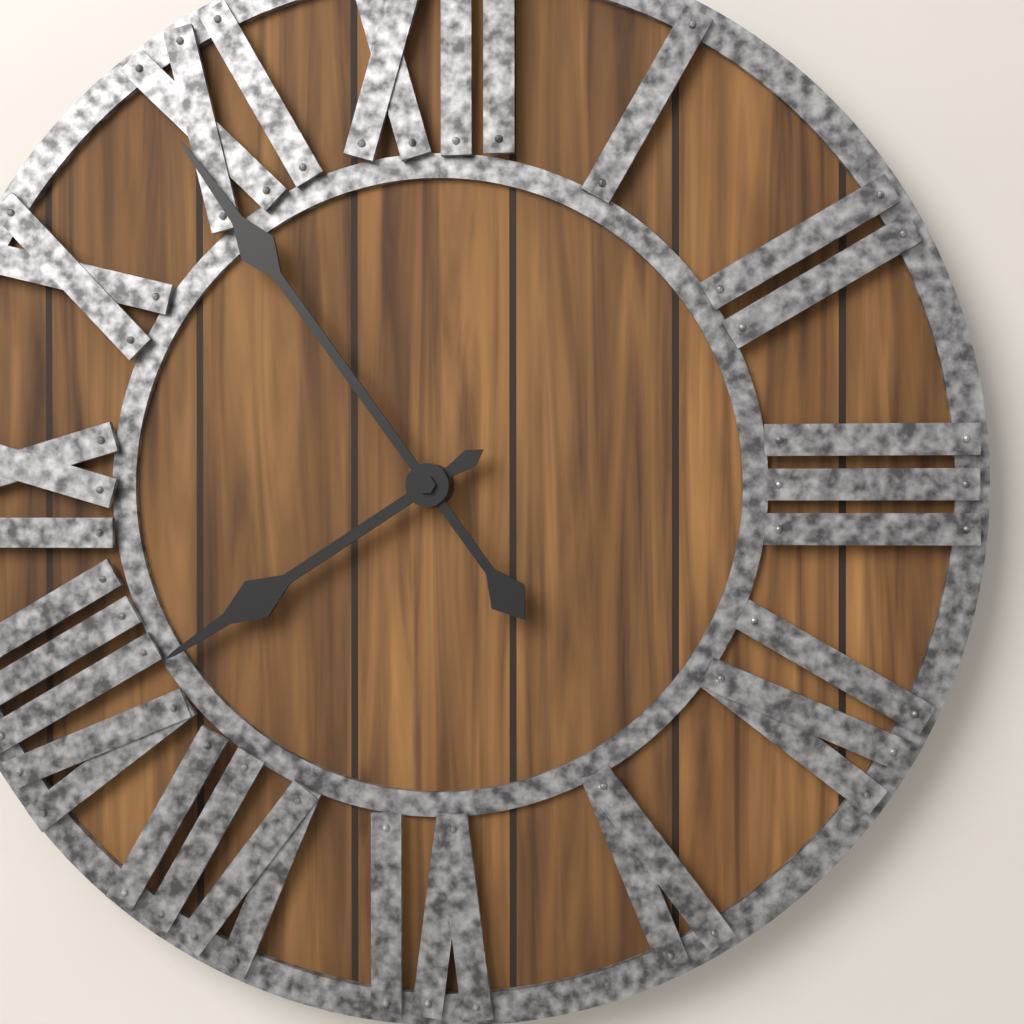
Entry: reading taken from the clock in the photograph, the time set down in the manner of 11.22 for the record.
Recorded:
7.54
